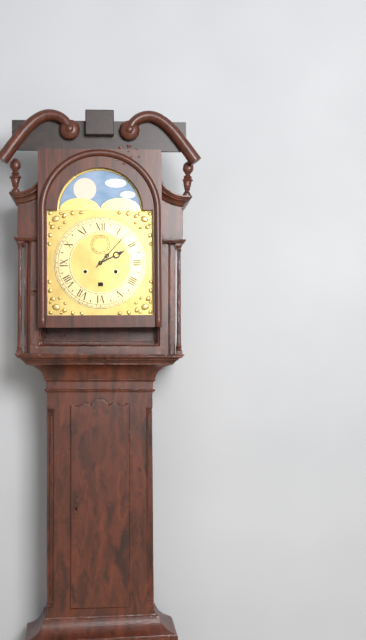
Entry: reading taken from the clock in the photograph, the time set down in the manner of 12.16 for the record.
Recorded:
2.07
